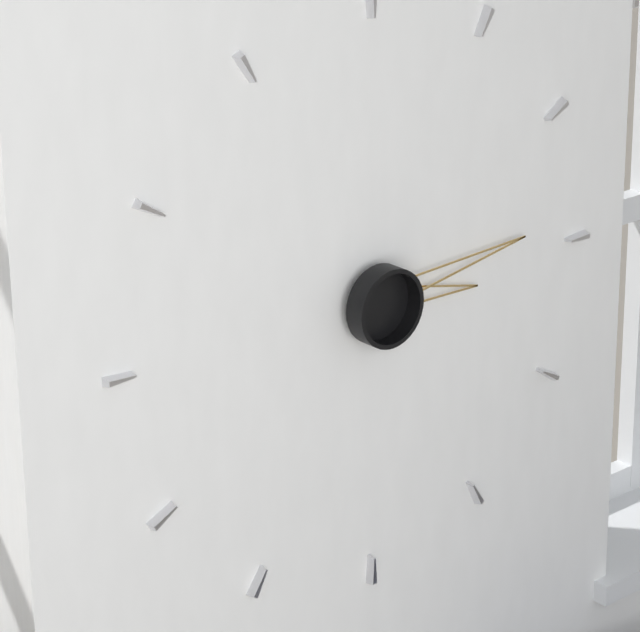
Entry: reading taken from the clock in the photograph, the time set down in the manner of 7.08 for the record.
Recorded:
3.14
